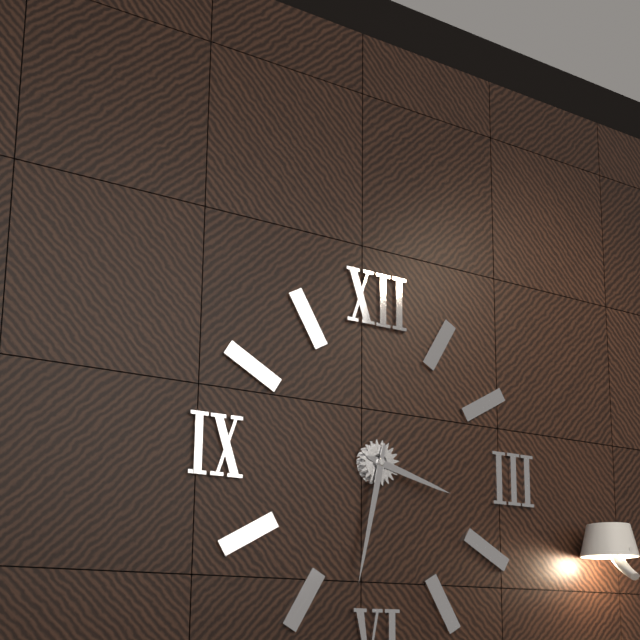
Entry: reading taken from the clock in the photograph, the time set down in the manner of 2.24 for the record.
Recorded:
3.32
